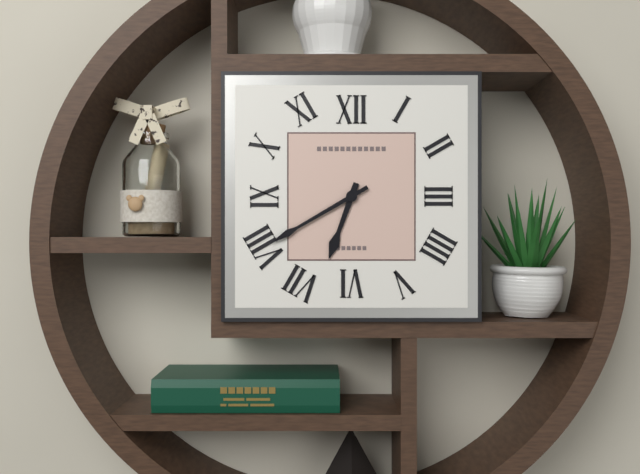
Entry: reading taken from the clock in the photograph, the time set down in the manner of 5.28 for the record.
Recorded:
6.40
